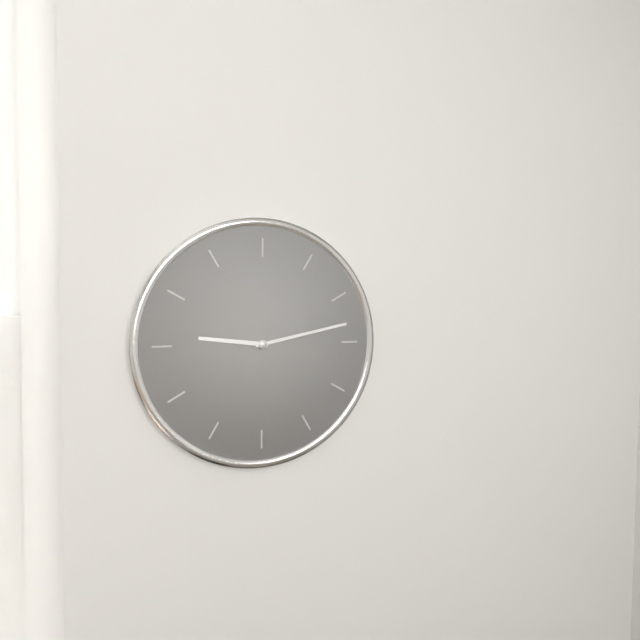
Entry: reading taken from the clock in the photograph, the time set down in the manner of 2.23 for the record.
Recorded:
9.13
